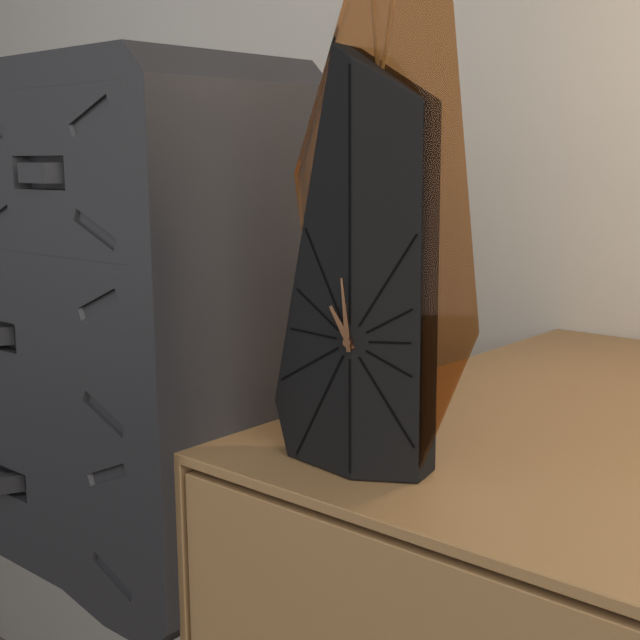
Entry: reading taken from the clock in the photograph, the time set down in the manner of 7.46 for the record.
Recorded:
10.59
